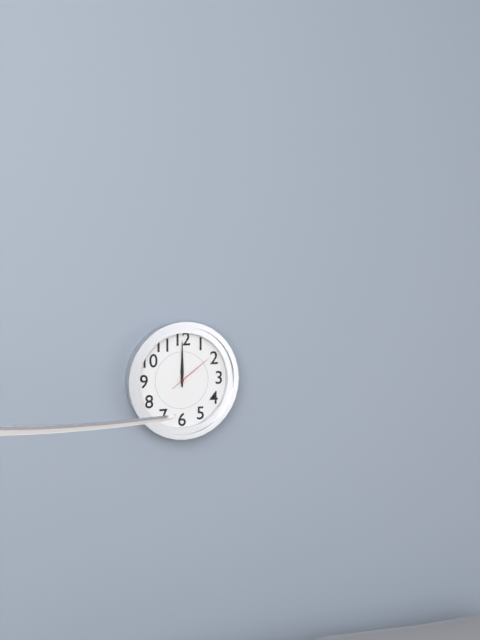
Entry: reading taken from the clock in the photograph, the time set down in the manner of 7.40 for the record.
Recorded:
12.00
